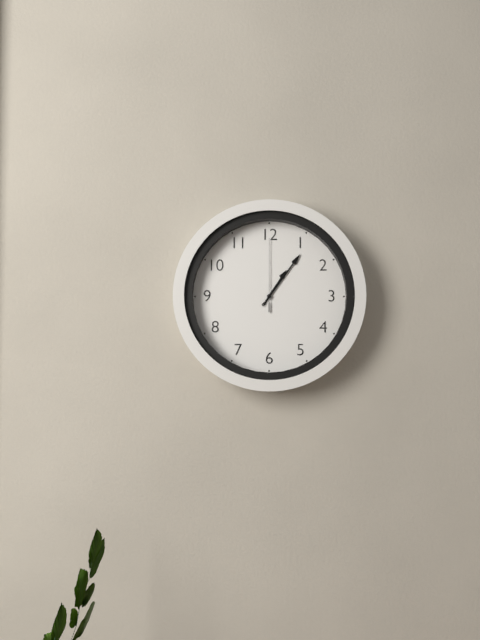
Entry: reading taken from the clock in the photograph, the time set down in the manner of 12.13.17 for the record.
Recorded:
1.06.00
